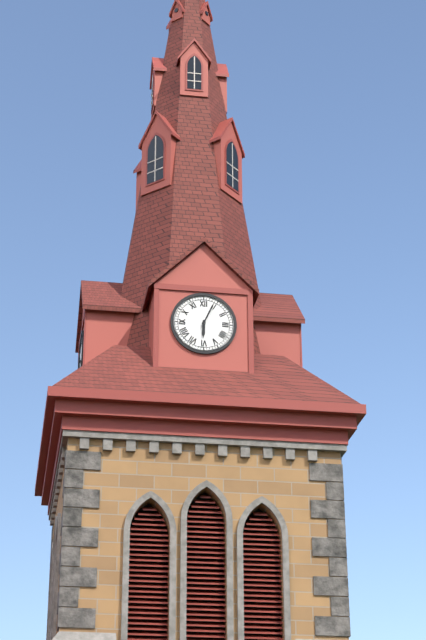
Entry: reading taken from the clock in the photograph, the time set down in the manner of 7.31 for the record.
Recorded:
6.04
